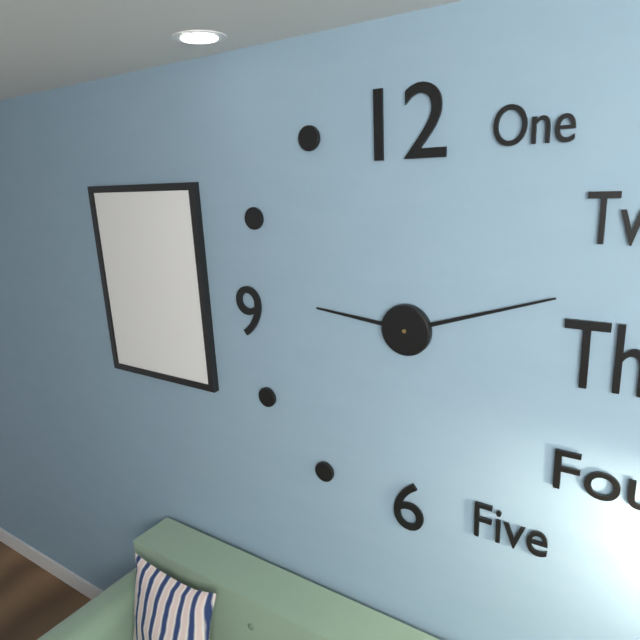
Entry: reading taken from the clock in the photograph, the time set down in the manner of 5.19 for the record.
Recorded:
9.12
